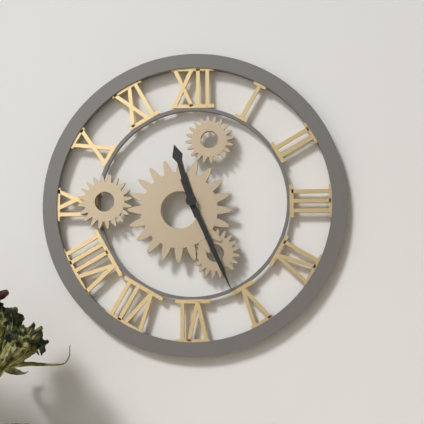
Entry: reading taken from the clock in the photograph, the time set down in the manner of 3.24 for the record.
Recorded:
11.26
